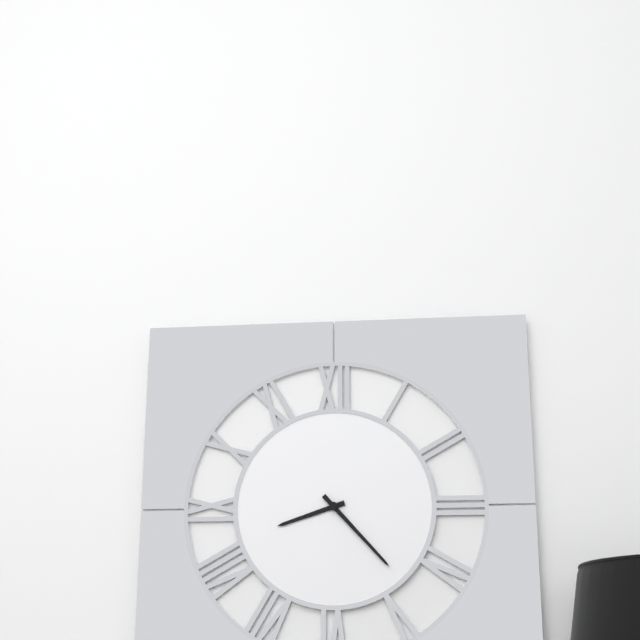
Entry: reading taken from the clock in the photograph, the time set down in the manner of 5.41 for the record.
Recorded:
8.23
